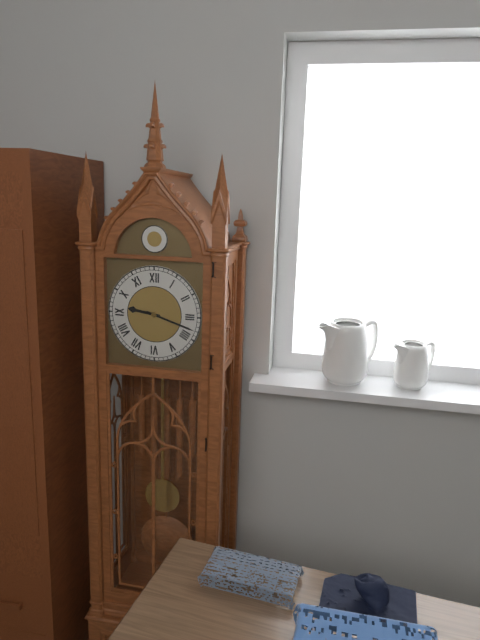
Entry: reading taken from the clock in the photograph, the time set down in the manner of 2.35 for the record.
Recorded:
9.18
